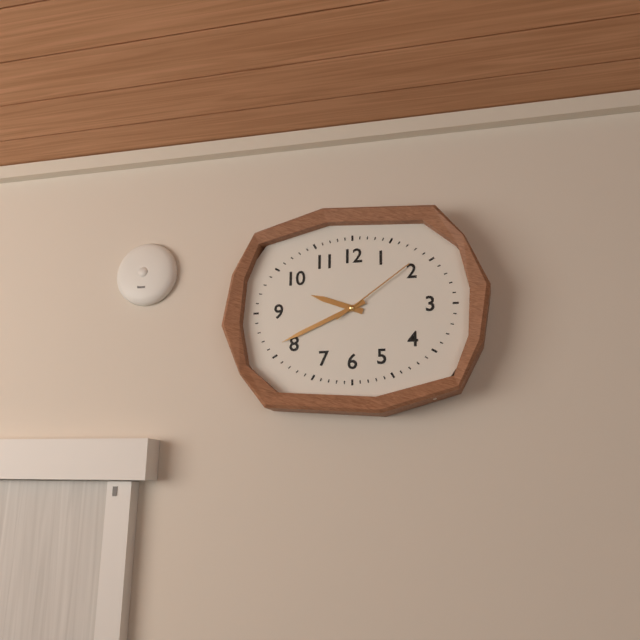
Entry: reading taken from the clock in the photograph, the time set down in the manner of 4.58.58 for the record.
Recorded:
9.41.09
